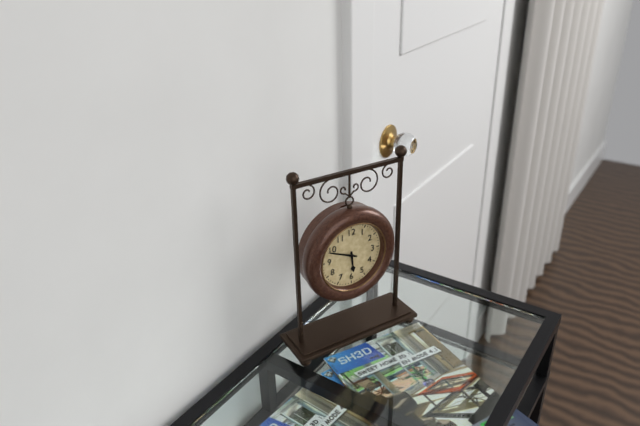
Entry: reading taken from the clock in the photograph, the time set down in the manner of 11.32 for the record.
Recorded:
5.49
